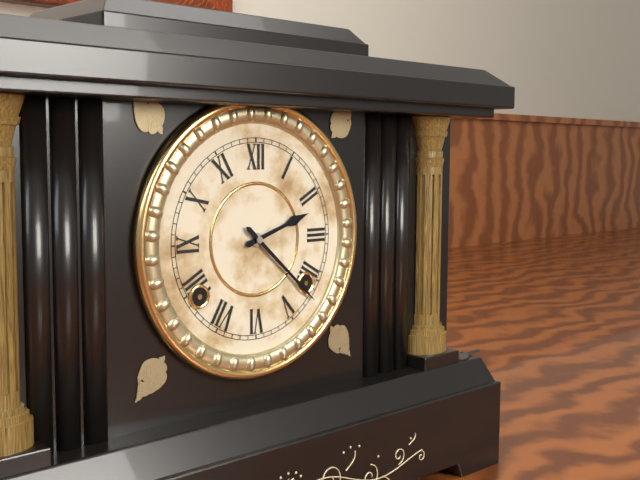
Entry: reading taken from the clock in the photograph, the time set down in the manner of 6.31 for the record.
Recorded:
2.22
